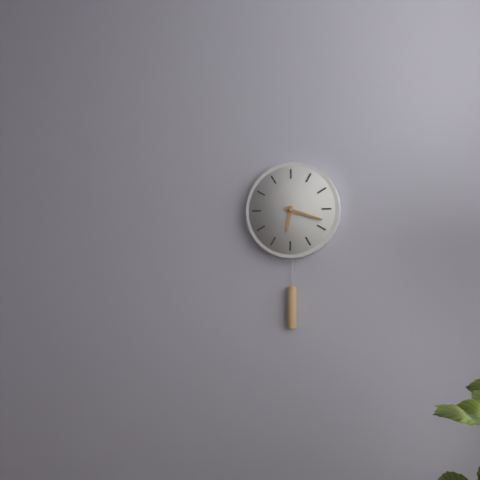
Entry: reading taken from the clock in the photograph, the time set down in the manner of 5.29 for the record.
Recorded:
6.18
